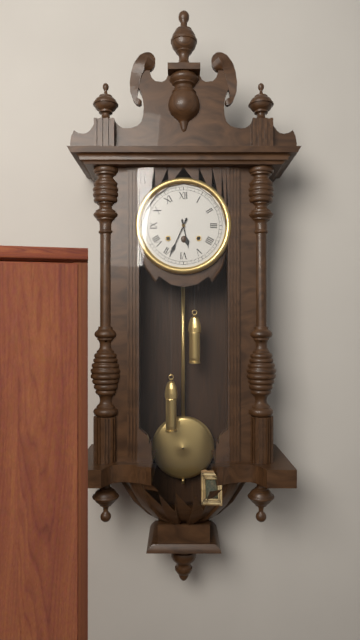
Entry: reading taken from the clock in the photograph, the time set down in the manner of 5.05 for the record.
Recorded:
5.34
